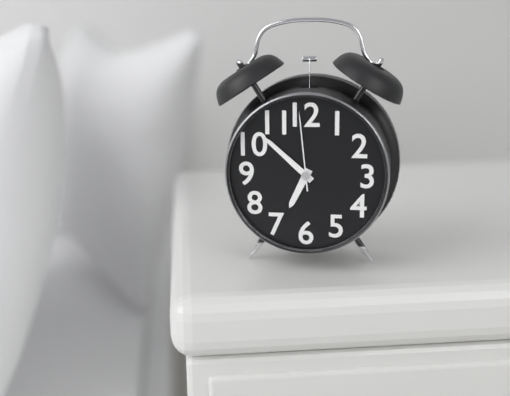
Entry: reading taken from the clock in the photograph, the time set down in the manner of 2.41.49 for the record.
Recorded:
6.52.59
